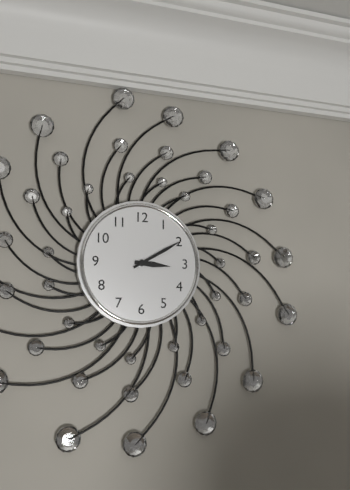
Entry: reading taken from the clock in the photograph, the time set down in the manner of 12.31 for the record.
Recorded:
3.10
